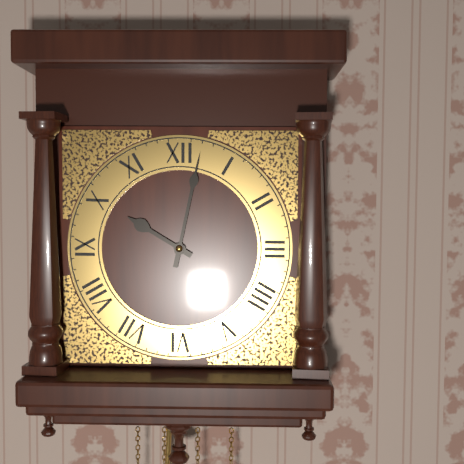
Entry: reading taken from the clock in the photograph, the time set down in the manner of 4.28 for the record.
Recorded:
10.02
